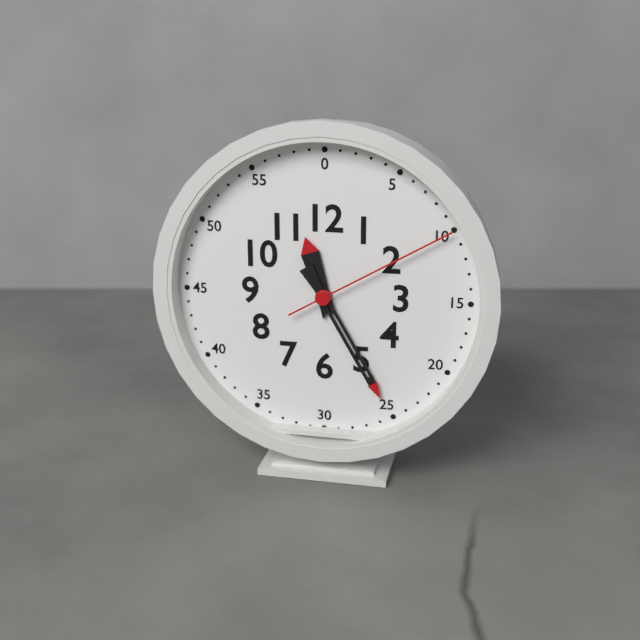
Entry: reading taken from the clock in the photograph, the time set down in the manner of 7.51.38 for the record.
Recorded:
11.25.10
